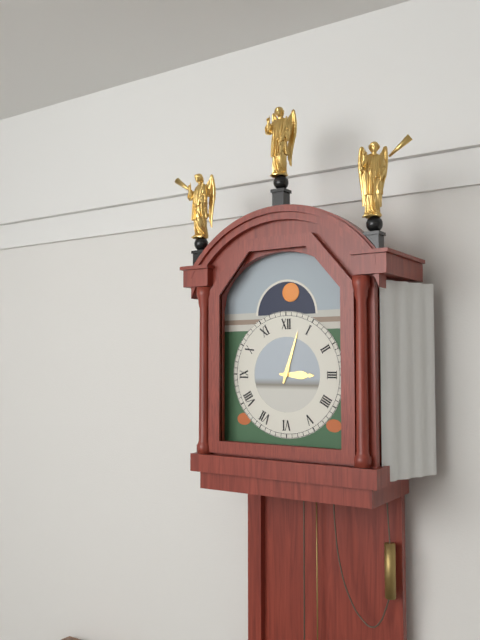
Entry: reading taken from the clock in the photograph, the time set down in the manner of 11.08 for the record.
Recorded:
3.03
